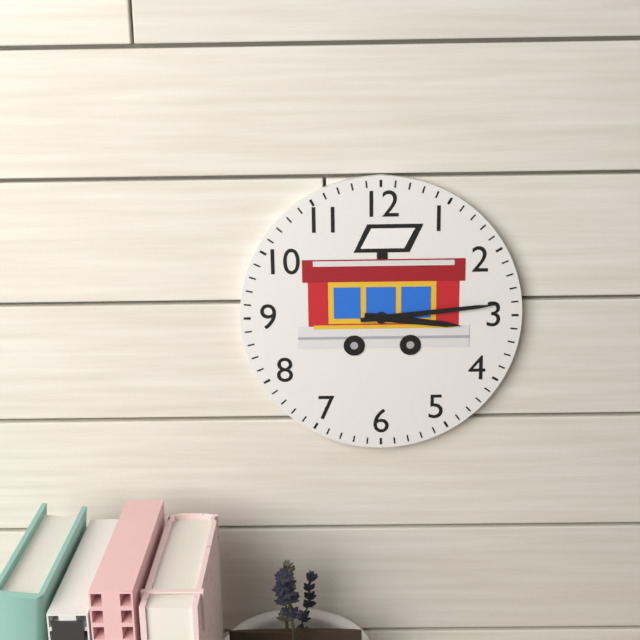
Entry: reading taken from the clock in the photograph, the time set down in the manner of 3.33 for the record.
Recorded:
3.14
